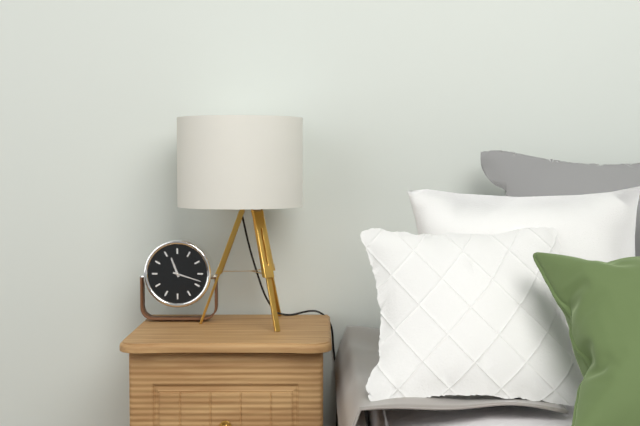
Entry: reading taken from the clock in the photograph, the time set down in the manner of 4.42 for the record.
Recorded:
11.18
